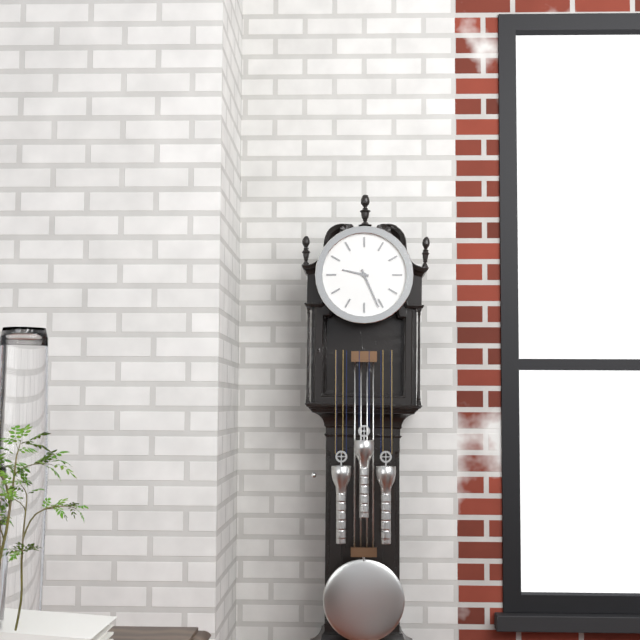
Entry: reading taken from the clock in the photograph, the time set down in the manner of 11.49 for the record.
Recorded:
9.26
